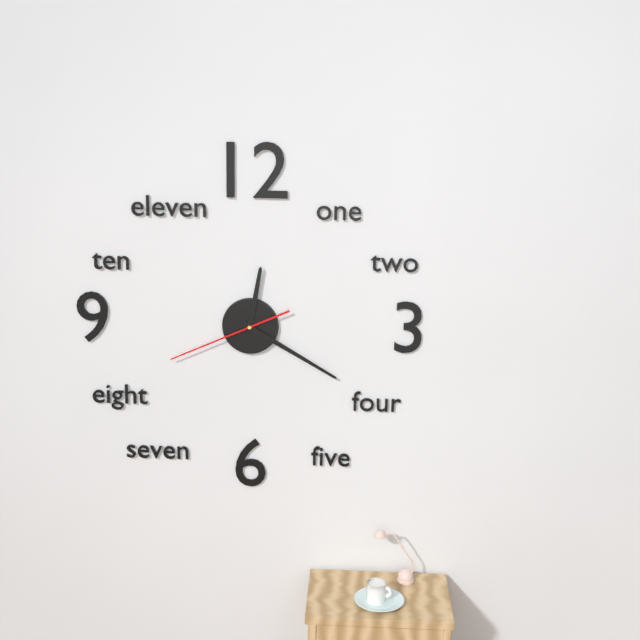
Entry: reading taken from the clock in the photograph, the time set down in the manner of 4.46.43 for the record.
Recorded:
12.20.41
